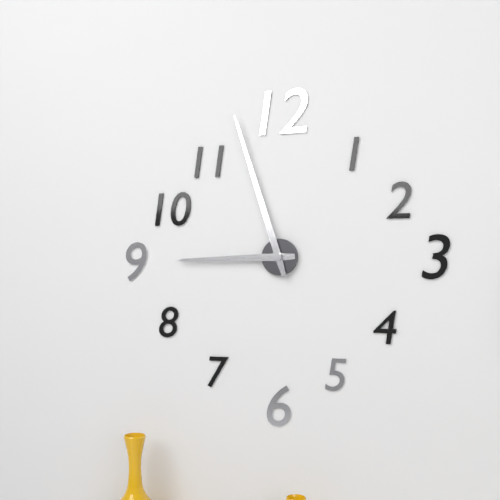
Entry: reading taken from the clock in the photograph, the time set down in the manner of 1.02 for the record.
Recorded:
8.57
